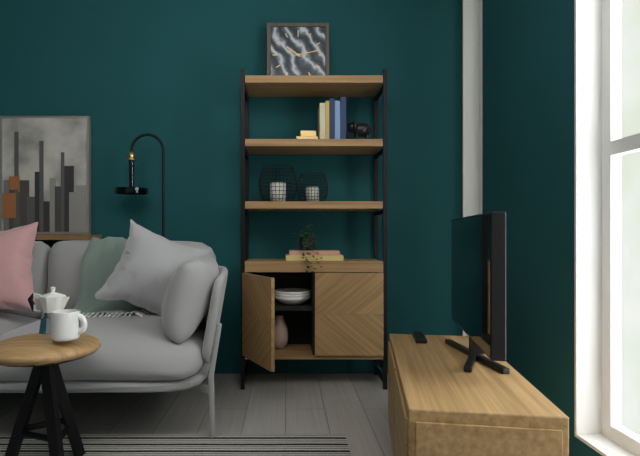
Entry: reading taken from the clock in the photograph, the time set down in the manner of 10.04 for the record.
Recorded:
10.13
